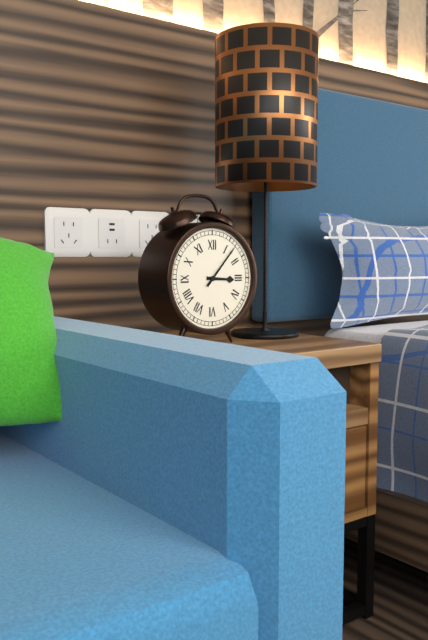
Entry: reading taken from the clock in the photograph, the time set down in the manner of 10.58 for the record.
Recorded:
3.07
